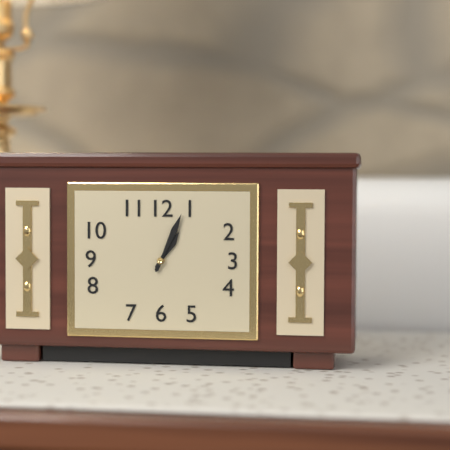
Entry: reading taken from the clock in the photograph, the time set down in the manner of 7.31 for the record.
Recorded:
1.04
